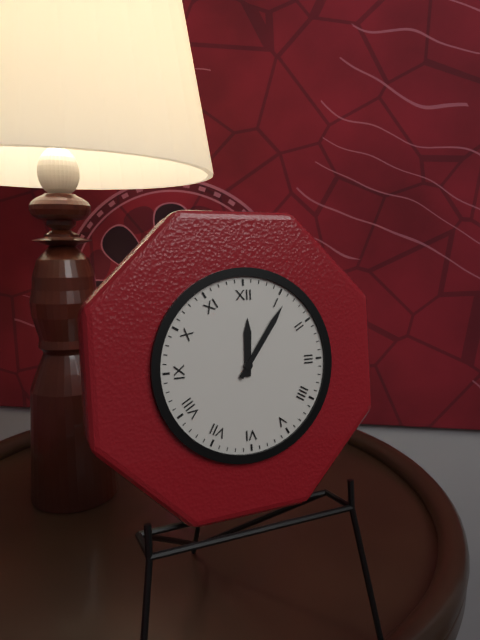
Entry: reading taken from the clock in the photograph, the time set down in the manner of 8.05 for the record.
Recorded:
12.06
